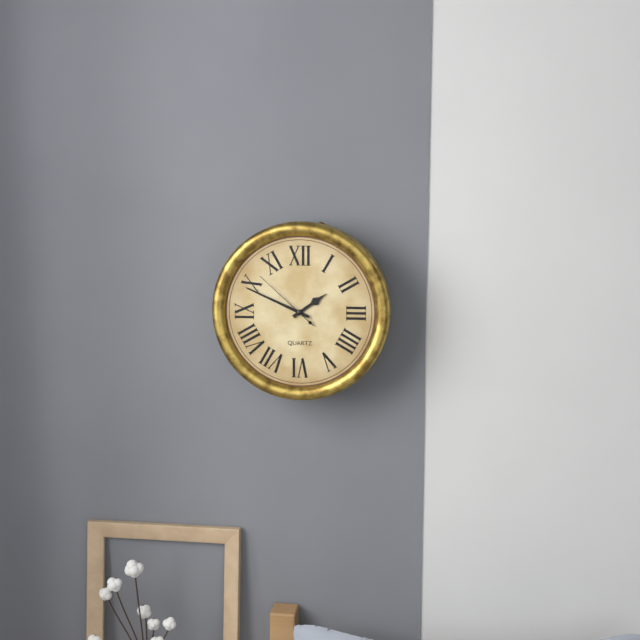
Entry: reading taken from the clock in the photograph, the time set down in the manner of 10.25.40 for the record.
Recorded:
1.49.52
